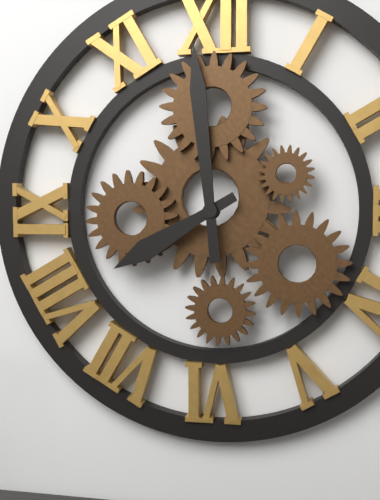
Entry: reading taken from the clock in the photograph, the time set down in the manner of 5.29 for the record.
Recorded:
7.59
